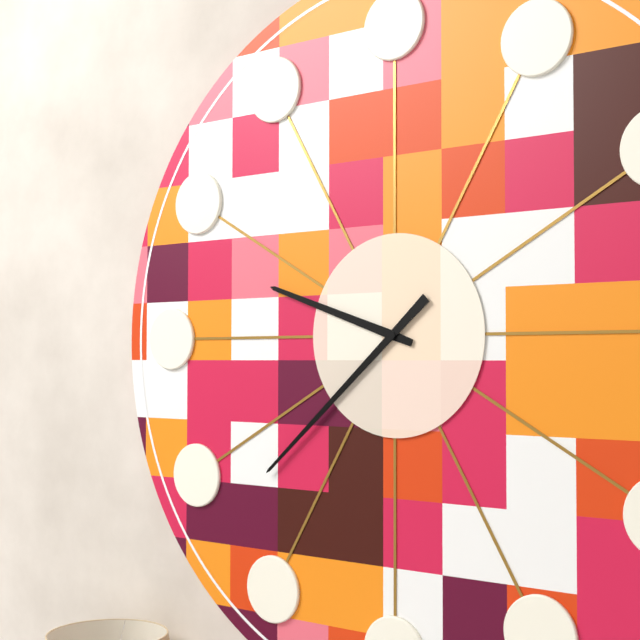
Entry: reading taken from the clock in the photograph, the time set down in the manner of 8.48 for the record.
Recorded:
9.38
